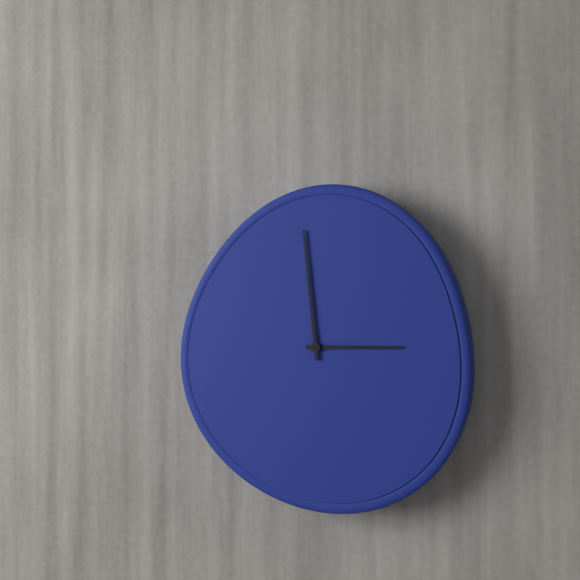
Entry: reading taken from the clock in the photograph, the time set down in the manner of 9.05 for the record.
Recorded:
2.59
